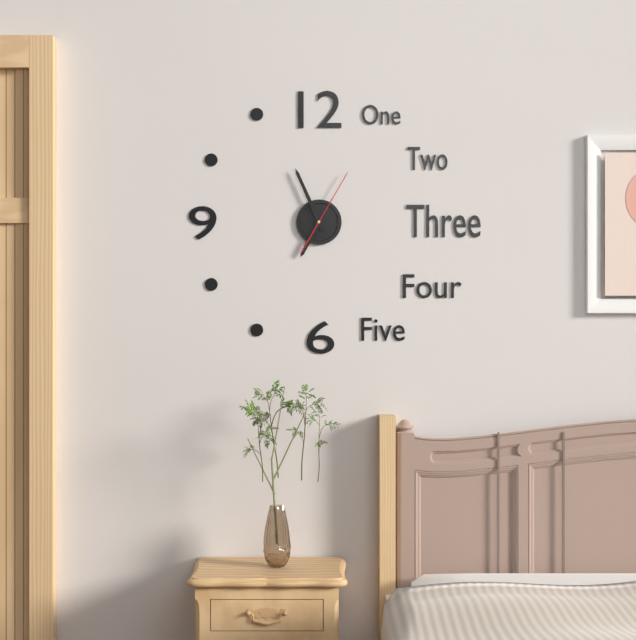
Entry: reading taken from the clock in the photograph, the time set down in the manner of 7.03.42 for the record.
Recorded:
6.56.05
